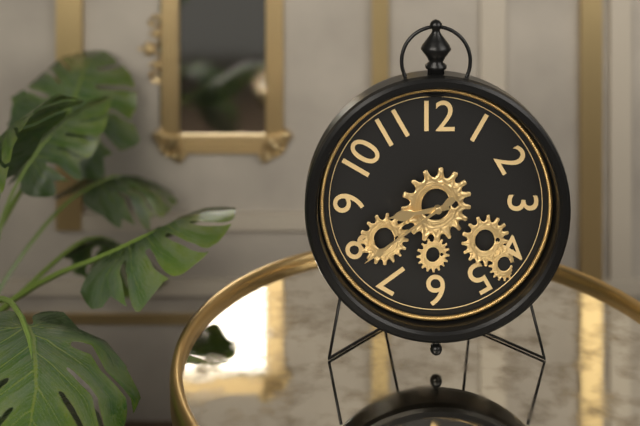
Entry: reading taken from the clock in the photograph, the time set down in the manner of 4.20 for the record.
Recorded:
8.39
